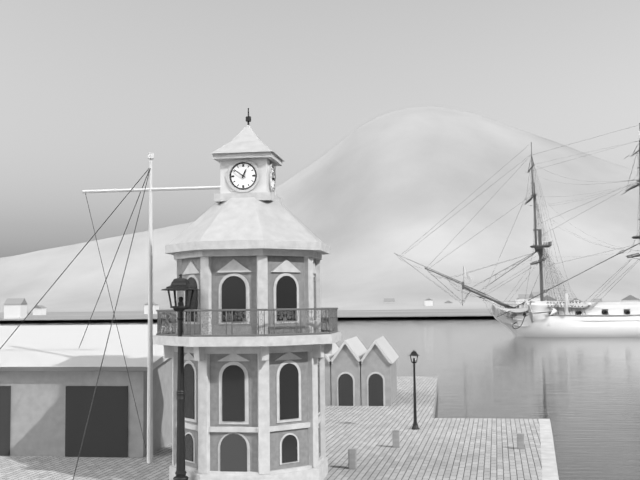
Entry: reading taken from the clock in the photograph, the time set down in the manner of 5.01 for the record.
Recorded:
12.51
